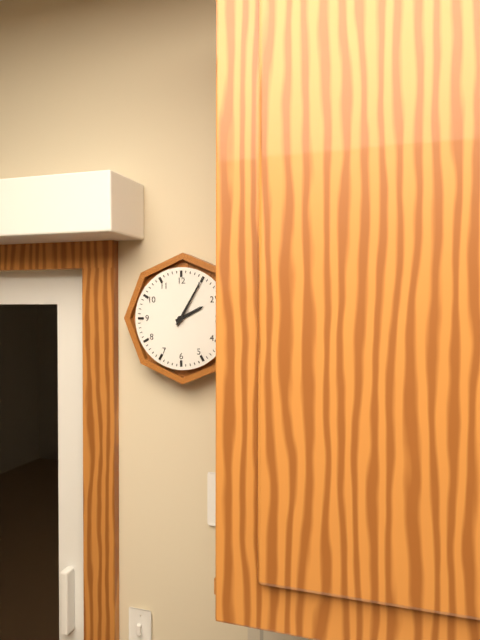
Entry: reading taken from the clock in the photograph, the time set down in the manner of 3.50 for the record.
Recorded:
2.05
